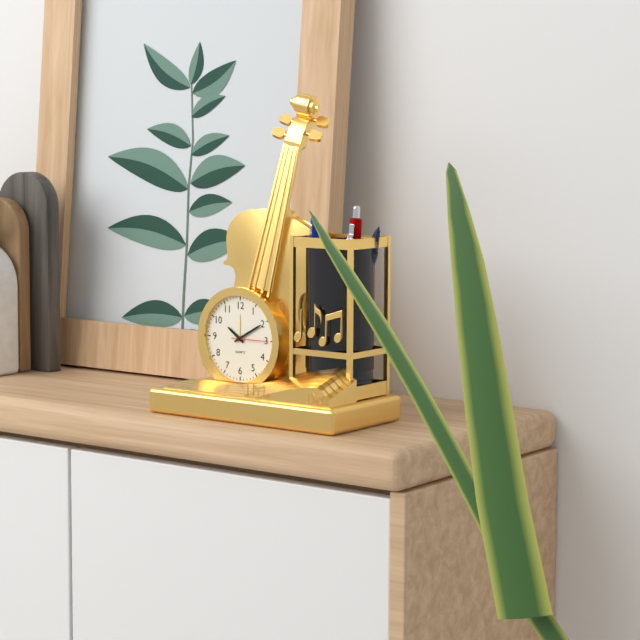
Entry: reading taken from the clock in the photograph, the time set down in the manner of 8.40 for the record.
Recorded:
10.10
